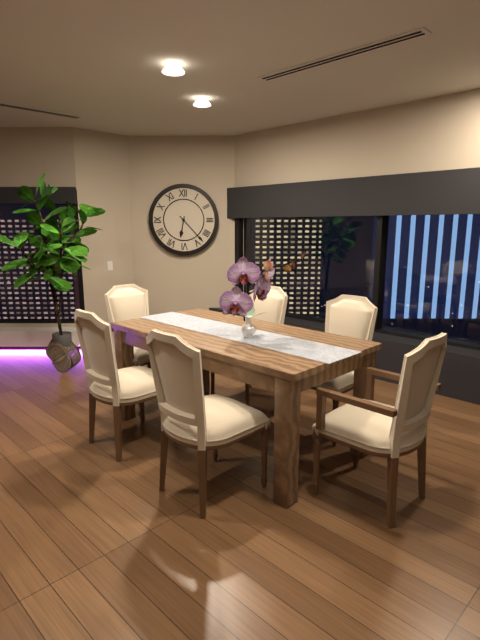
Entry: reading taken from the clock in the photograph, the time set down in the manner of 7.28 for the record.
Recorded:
6.23
